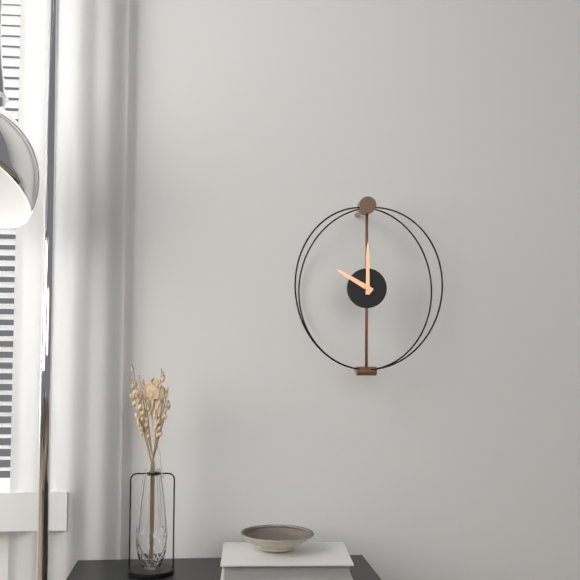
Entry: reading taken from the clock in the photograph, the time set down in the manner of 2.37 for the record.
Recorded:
10.00
